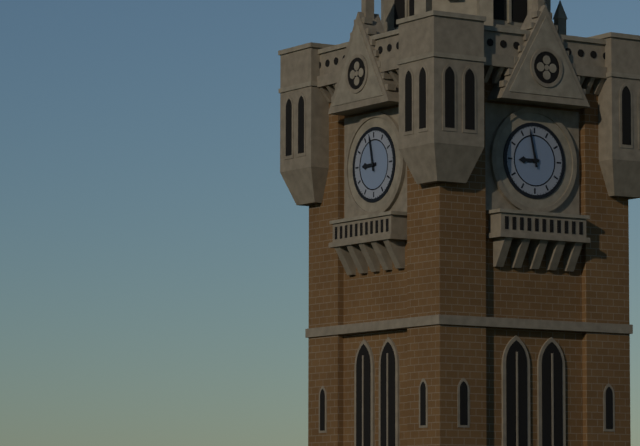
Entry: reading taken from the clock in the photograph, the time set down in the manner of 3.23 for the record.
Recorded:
8.58
